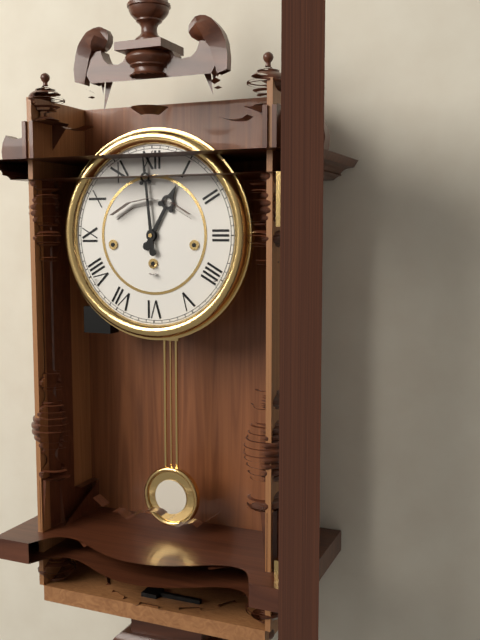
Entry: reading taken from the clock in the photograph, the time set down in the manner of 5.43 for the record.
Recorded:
12.59
